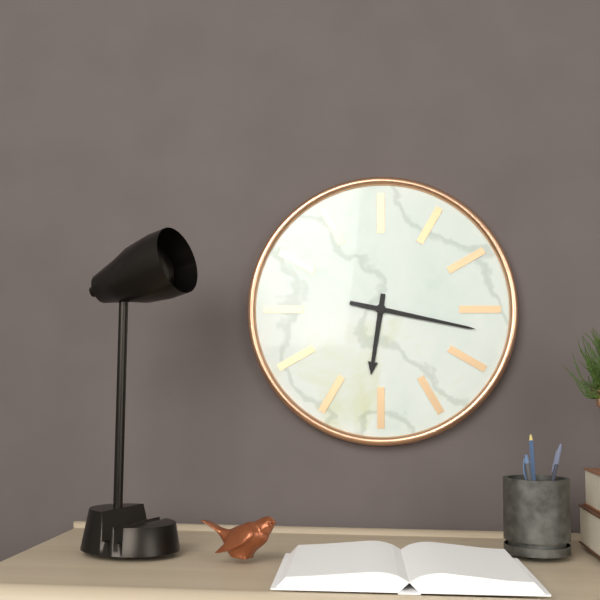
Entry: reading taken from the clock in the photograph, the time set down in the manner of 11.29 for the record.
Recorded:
6.17
